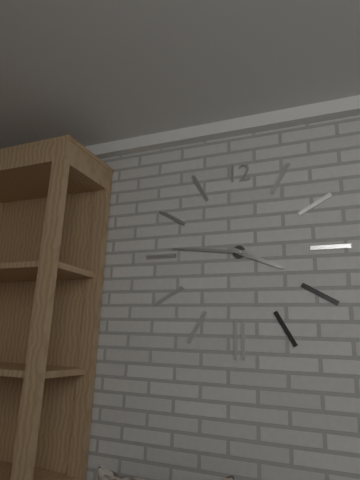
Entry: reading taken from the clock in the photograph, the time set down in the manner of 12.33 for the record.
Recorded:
3.46
